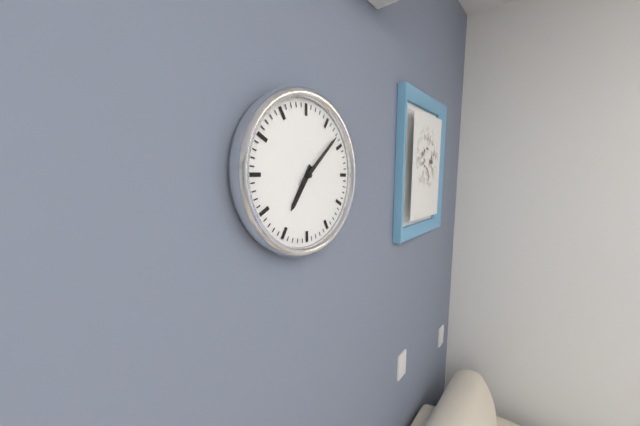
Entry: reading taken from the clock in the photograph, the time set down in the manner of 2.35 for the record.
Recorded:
7.08
